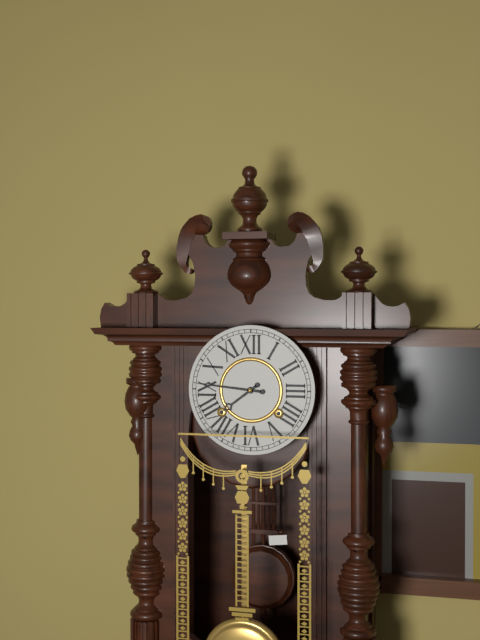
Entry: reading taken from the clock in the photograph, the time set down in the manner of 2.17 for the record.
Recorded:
7.46
